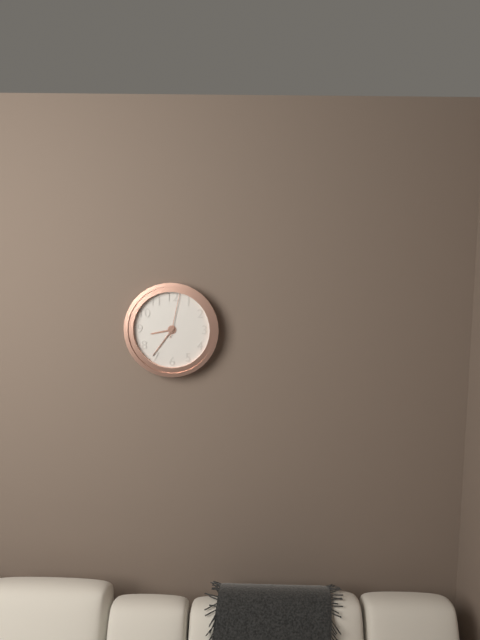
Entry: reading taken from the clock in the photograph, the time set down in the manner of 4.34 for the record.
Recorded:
8.36
